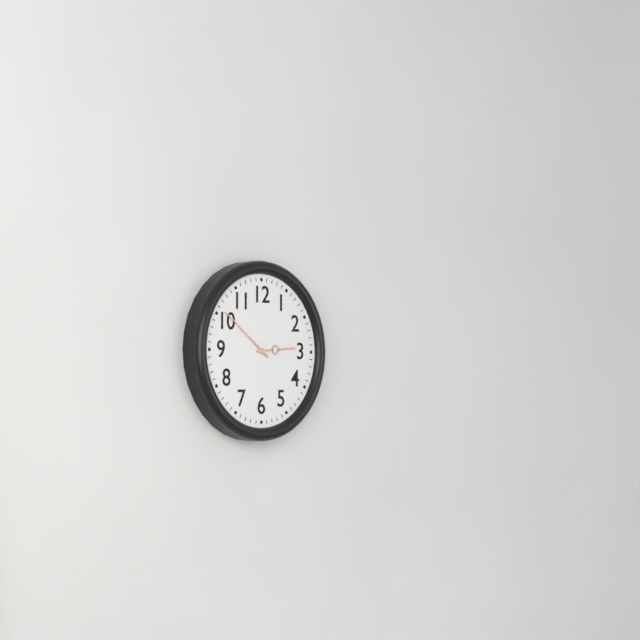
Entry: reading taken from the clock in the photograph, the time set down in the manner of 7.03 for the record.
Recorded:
2.51
